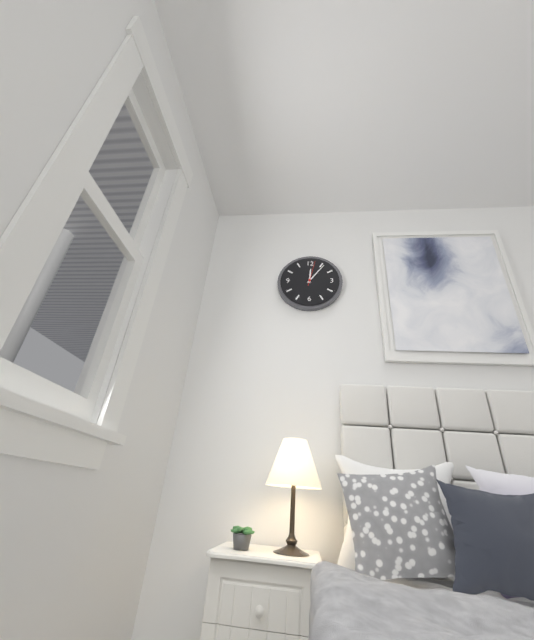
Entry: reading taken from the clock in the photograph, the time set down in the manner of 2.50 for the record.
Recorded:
12.06
